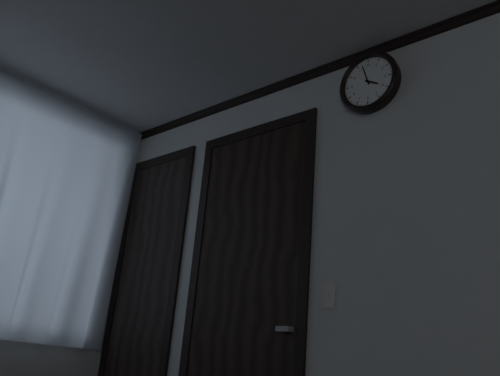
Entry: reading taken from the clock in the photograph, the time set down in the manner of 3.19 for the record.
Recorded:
3.57
